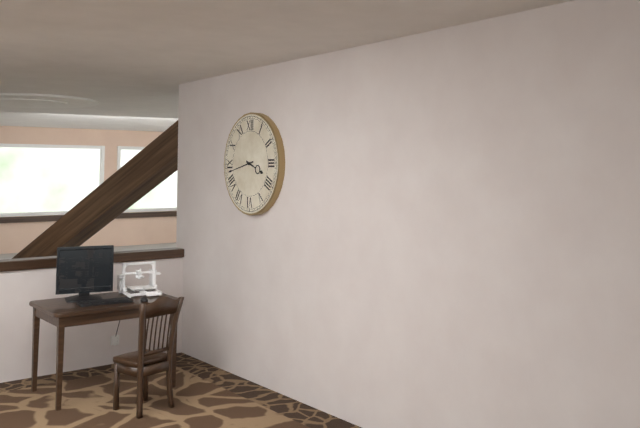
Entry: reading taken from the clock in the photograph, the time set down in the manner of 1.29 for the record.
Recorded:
3.43
